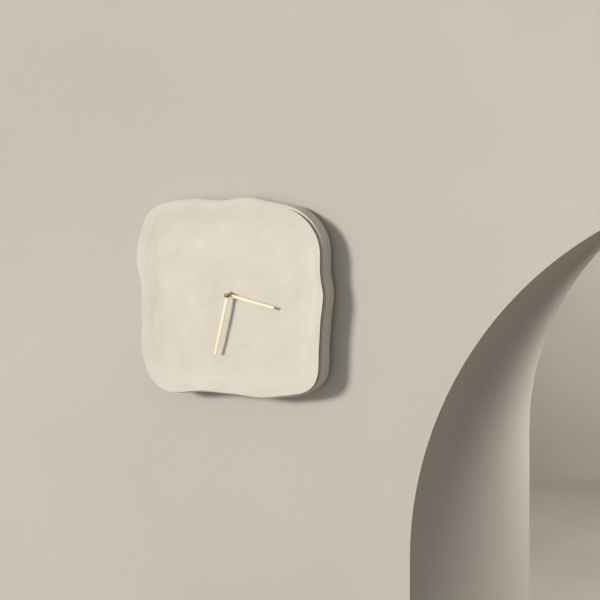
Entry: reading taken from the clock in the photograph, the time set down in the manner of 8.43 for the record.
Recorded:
3.32
